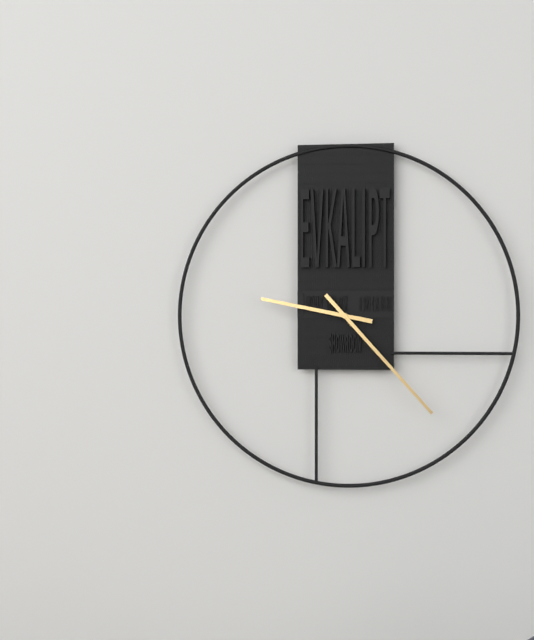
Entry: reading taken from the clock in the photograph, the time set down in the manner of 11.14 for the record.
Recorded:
9.23
